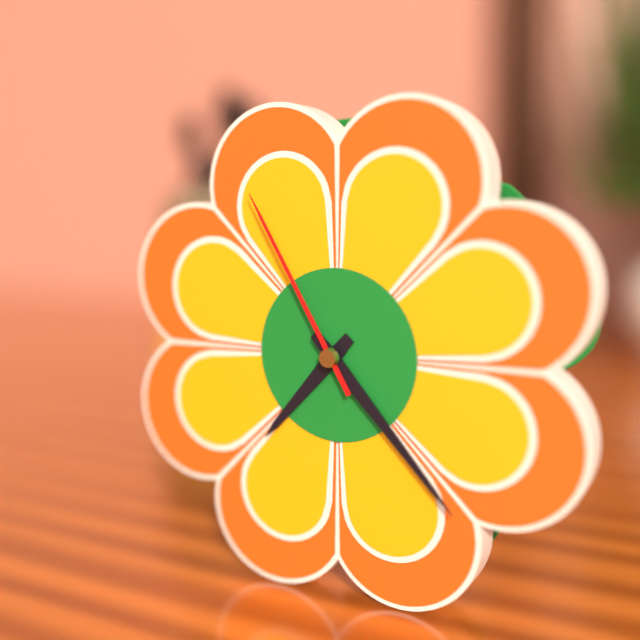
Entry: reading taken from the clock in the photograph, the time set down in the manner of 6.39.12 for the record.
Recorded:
7.23.55
